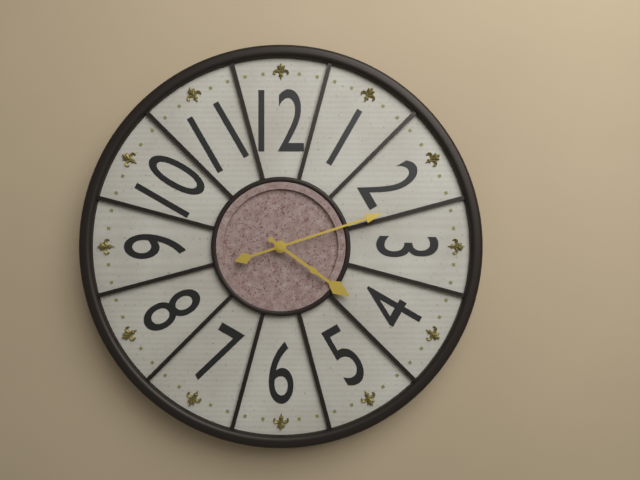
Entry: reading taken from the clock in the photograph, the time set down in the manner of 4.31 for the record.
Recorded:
4.12
